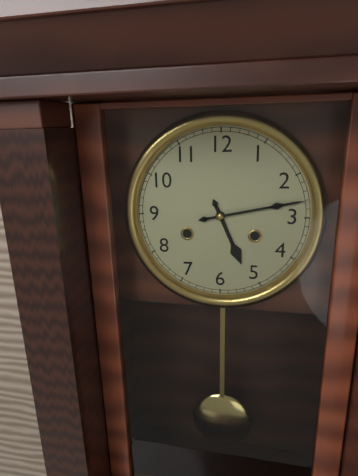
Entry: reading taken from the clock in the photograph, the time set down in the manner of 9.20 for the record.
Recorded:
5.13
